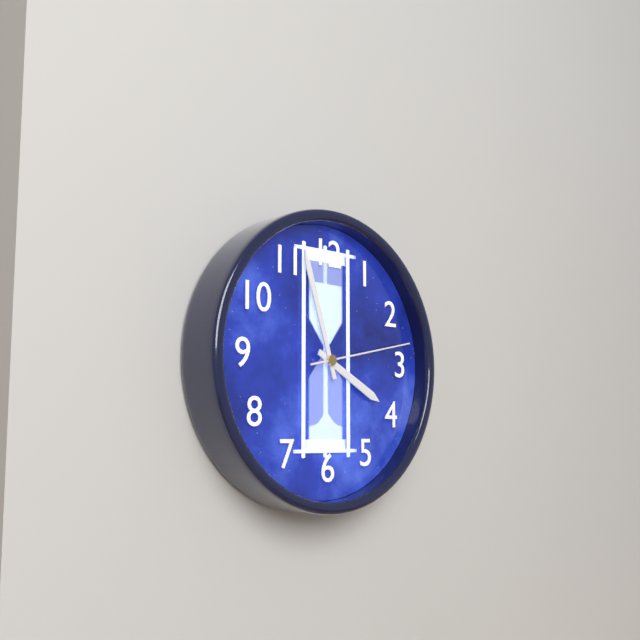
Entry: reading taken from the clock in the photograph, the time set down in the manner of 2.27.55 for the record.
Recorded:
3.57.13
